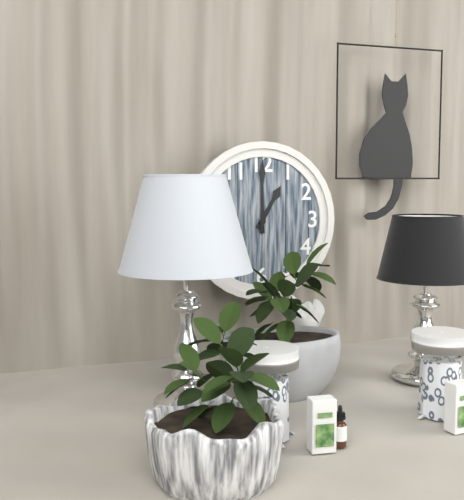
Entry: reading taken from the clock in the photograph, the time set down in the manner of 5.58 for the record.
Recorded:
1.00
